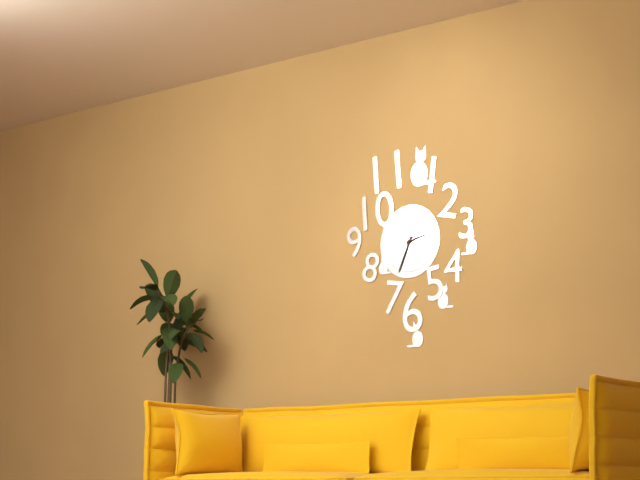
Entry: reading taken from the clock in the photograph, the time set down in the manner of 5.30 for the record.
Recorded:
2.34
